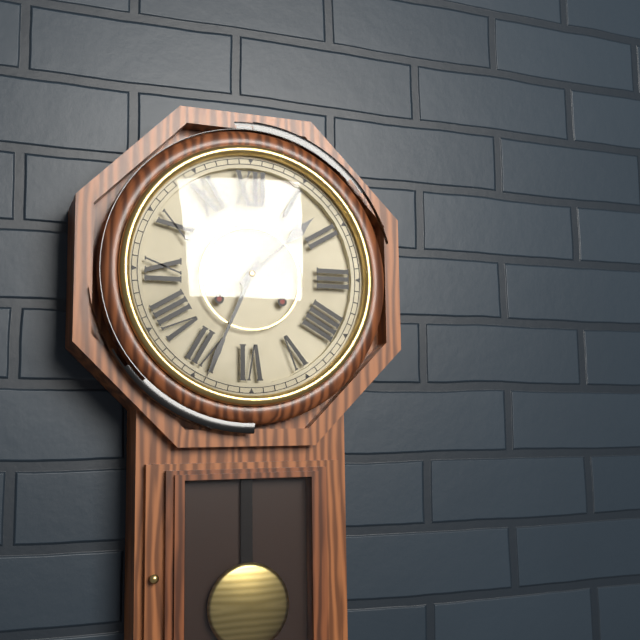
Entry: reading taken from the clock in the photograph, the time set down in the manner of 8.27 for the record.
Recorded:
1.34
